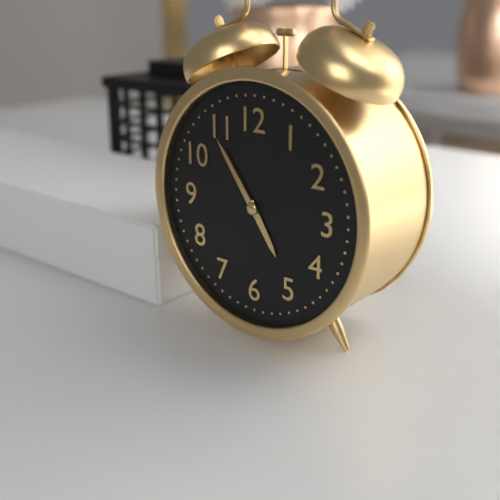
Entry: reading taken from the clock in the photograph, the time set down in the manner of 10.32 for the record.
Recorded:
4.54
